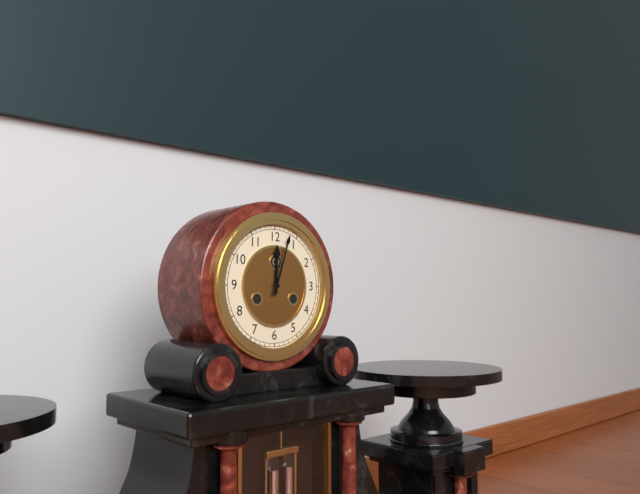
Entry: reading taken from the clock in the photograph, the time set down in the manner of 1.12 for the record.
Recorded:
12.03
